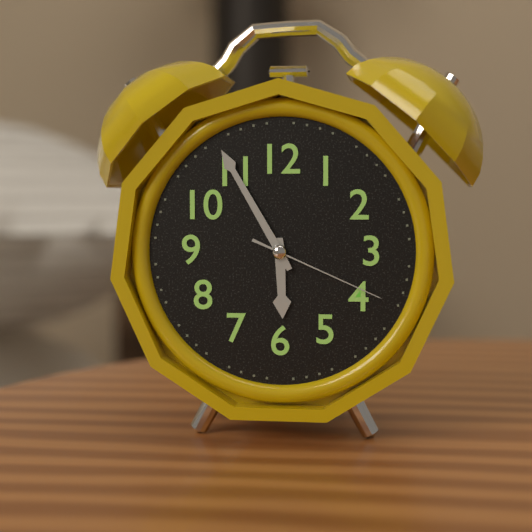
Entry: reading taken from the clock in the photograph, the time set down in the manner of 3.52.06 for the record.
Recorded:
5.55.19
